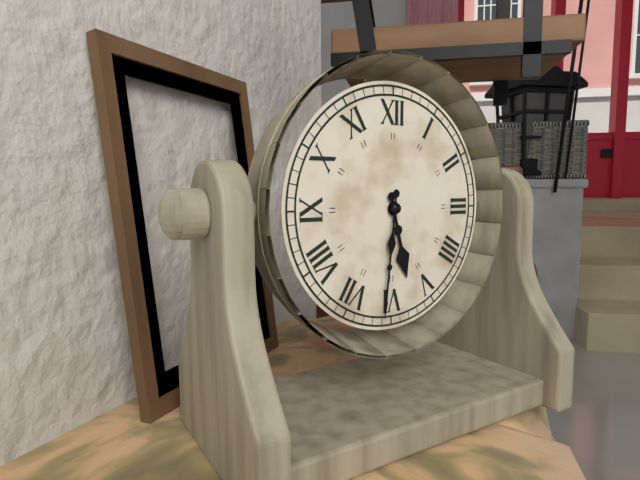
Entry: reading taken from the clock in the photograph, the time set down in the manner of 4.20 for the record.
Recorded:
5.31
